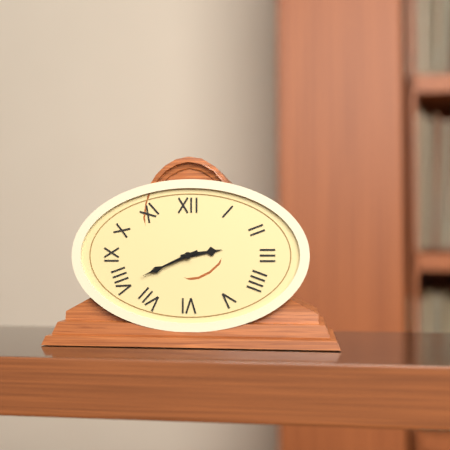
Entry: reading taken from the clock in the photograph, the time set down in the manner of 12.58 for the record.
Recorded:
2.41
